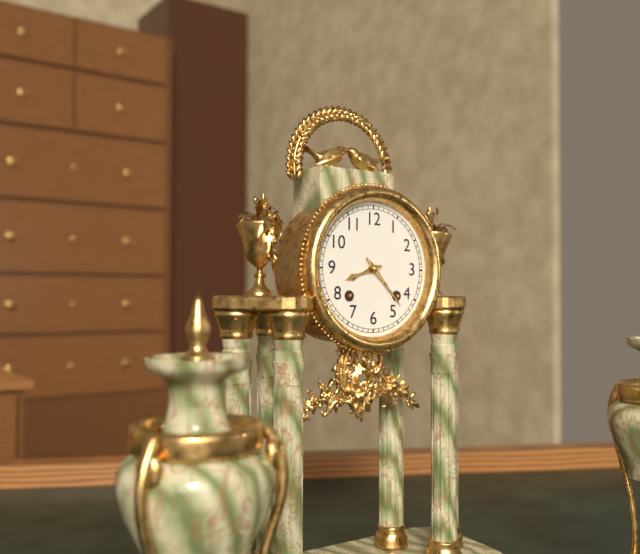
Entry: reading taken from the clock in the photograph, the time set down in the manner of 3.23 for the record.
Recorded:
8.23
